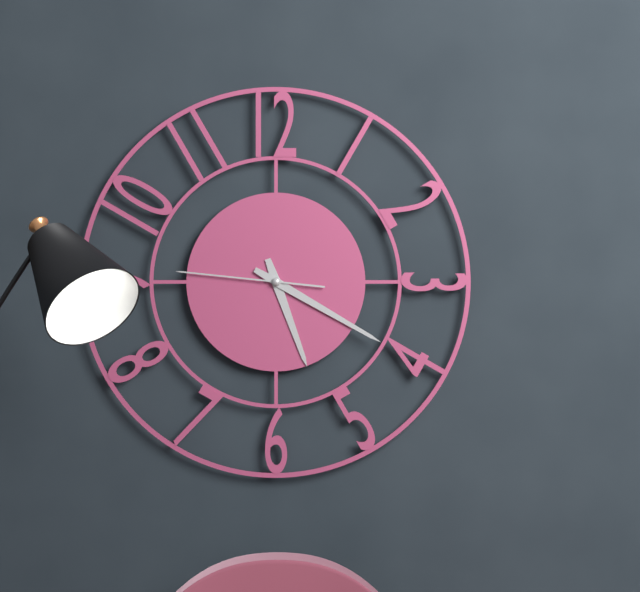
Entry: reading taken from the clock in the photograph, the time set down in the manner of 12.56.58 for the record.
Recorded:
5.20.46
